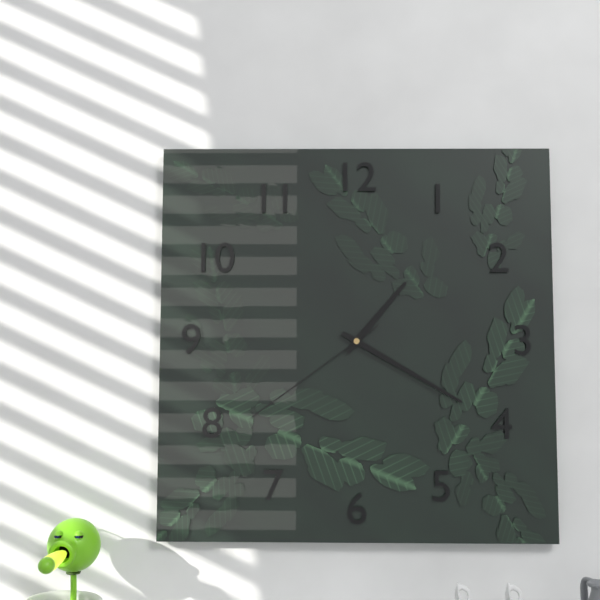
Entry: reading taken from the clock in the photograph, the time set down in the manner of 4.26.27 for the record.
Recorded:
1.20.39
